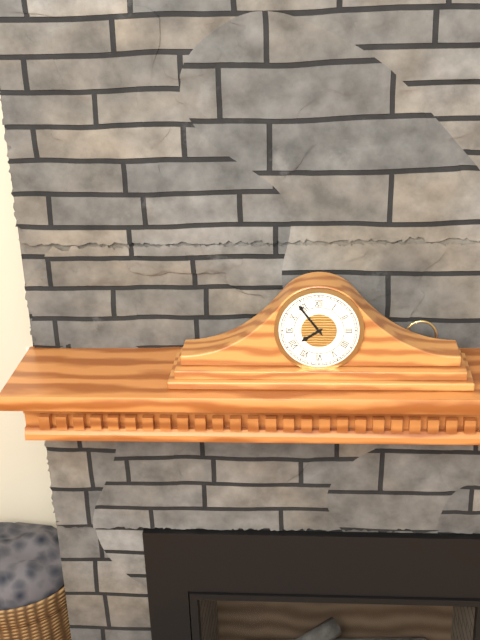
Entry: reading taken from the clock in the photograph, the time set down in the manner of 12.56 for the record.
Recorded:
7.54
